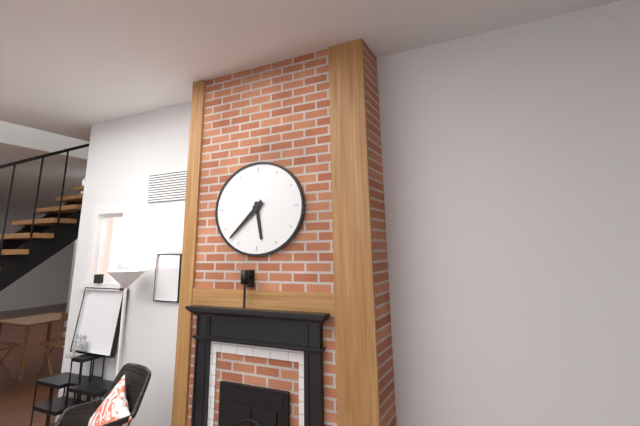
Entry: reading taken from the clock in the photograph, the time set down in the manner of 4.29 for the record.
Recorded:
5.38
